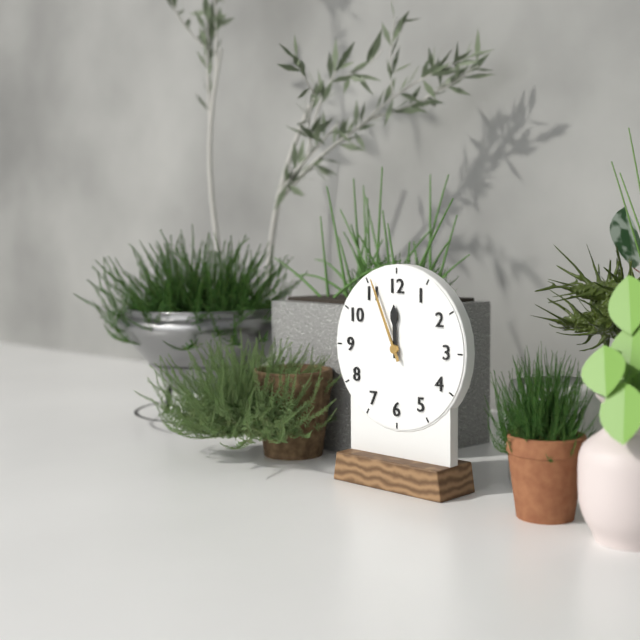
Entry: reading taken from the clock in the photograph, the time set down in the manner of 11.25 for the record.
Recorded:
11.56
